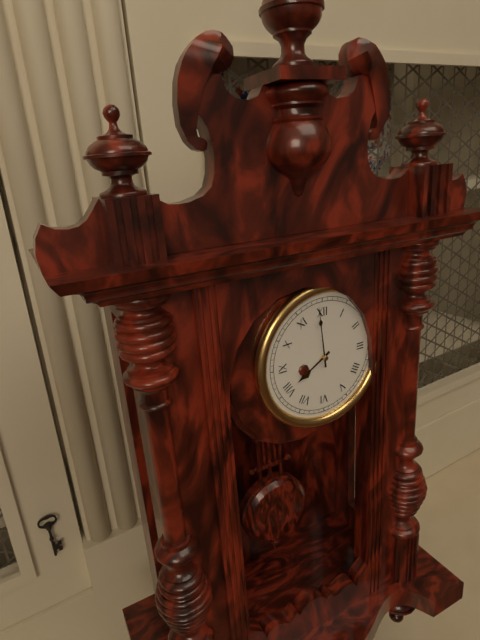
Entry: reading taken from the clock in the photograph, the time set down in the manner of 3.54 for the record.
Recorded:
7.59
